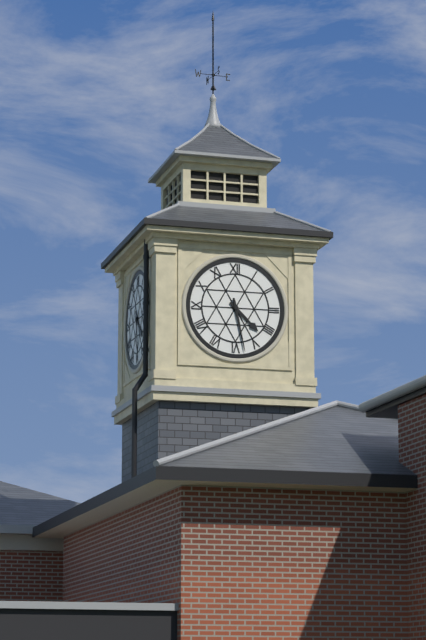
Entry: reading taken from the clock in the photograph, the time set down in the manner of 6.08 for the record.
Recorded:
4.28
